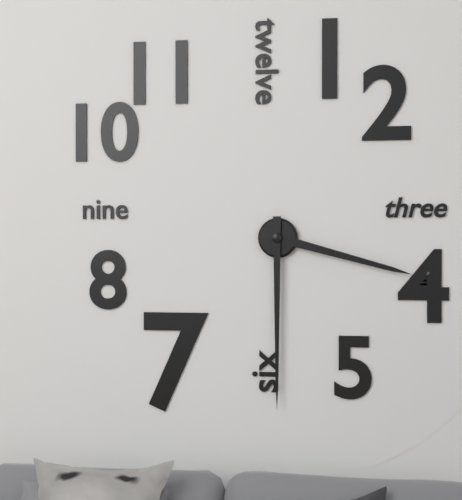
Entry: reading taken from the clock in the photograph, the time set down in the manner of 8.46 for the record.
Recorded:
3.30
